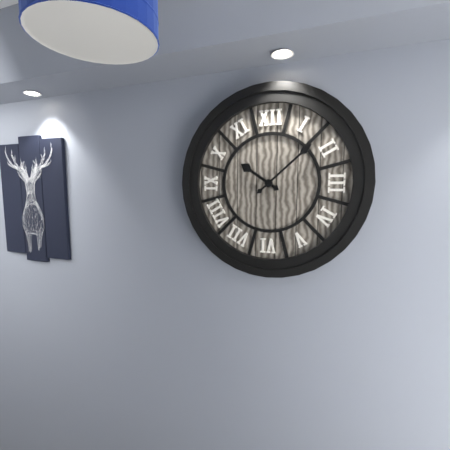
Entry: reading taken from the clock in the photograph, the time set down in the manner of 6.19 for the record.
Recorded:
10.08
